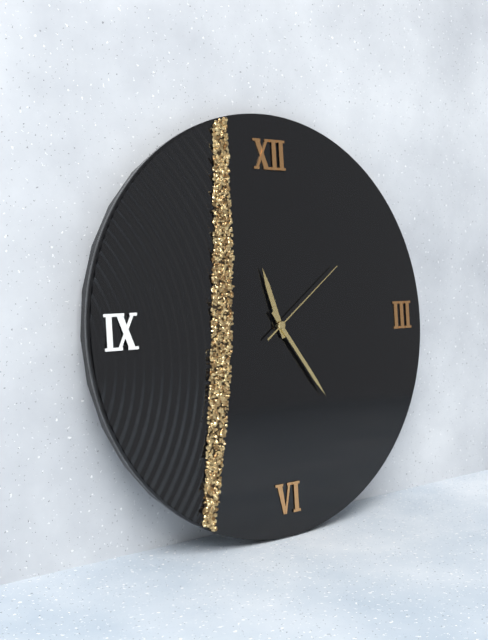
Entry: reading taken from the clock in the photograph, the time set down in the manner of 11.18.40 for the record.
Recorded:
11.24.09
